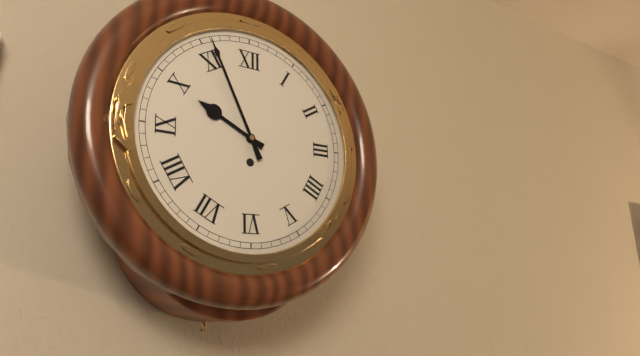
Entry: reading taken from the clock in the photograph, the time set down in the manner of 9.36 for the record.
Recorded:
9.56
